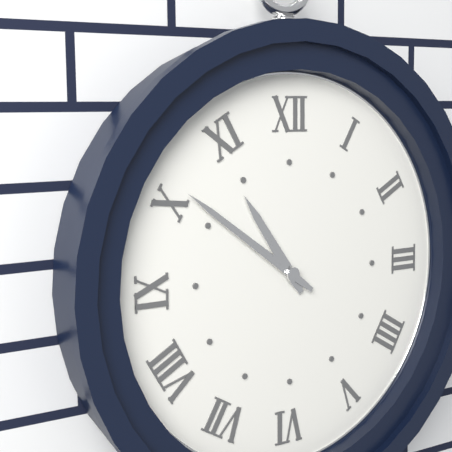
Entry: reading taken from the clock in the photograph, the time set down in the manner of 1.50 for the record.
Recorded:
10.51
